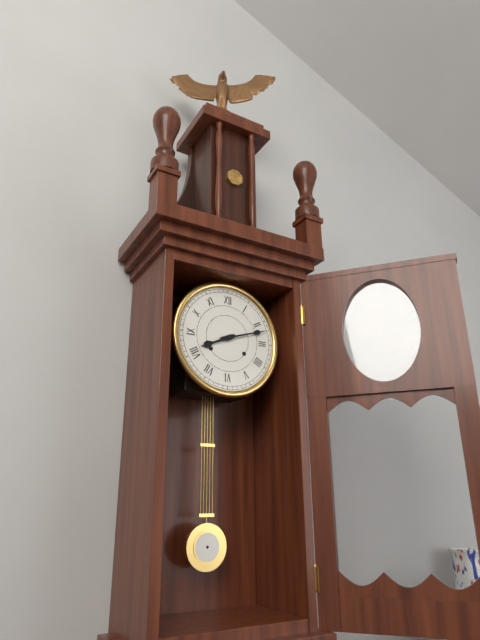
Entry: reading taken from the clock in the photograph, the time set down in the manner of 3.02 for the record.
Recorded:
8.12
